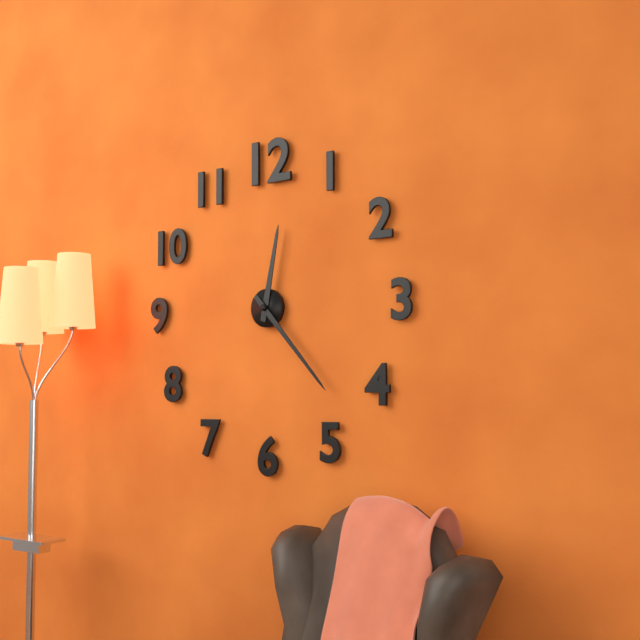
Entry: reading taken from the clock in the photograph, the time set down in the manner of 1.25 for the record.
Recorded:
12.23
